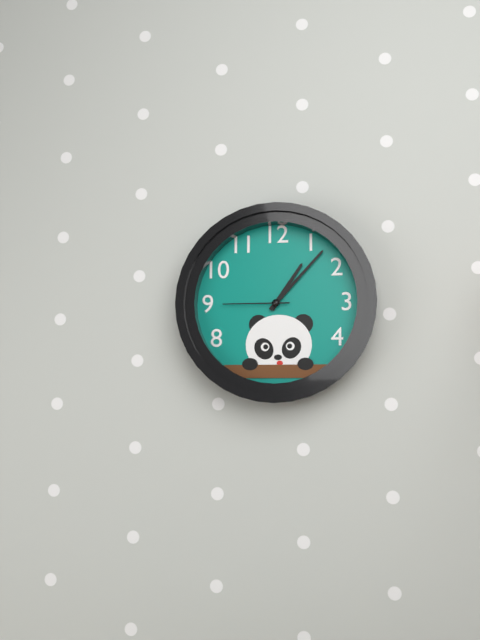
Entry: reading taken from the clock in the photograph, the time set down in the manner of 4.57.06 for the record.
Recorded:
1.07.45
